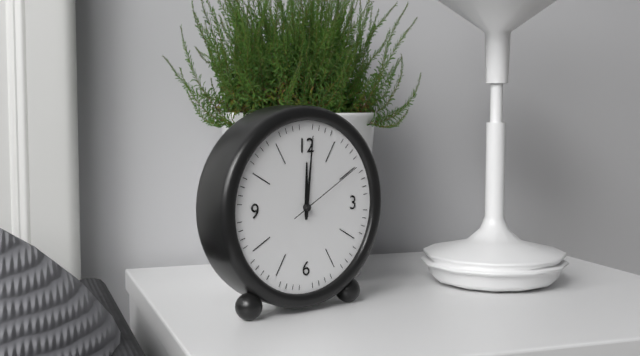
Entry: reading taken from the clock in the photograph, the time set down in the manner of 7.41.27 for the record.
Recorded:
12.01.10
